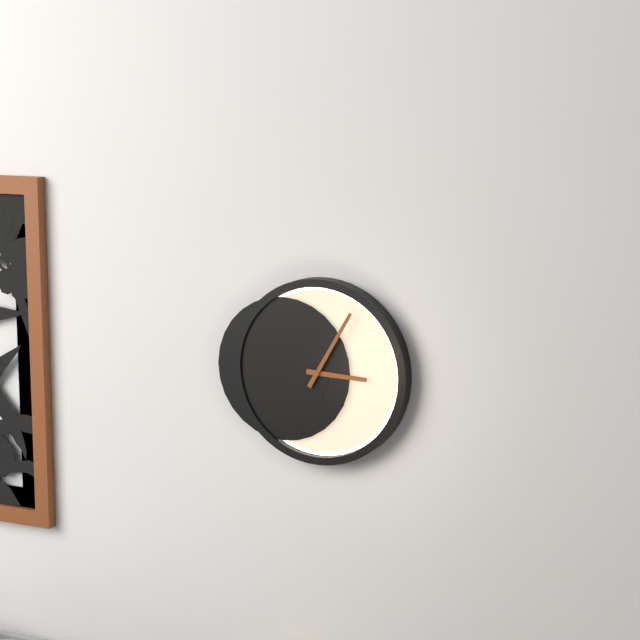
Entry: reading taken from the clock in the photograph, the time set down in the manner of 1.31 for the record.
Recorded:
3.05
